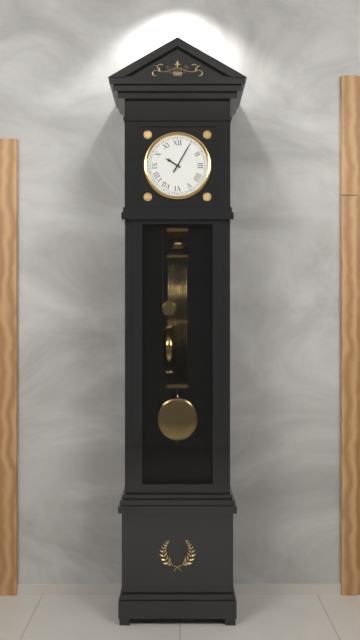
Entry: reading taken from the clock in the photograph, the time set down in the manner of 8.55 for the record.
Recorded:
10.05
